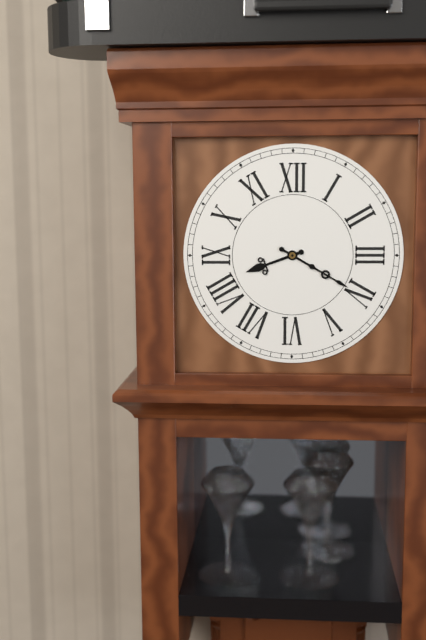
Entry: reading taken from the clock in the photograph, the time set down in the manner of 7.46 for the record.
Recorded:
8.20
